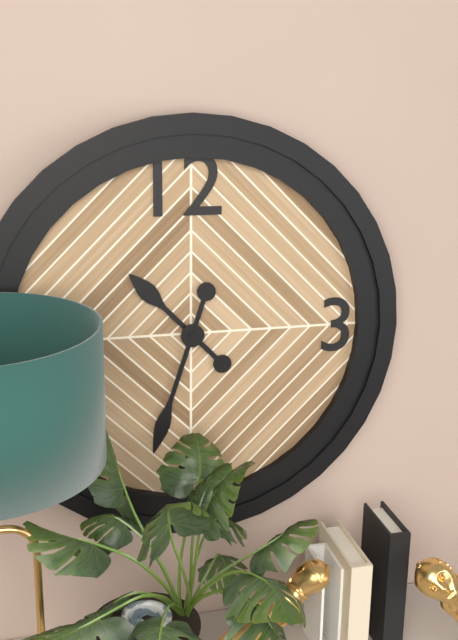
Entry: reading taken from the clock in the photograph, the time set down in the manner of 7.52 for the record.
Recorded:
10.33
